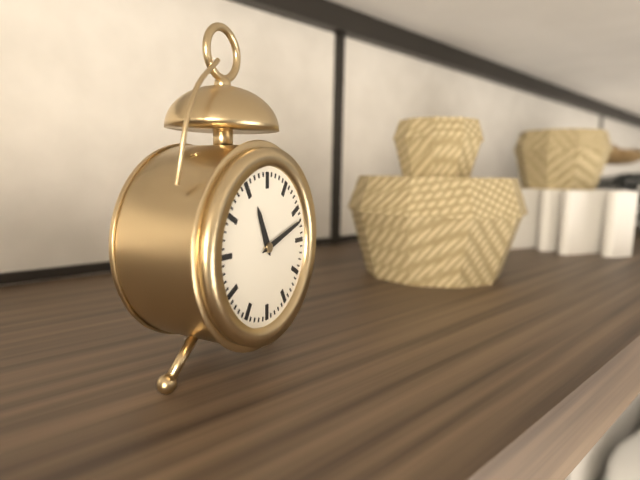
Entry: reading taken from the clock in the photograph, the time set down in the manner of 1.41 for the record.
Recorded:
11.12
